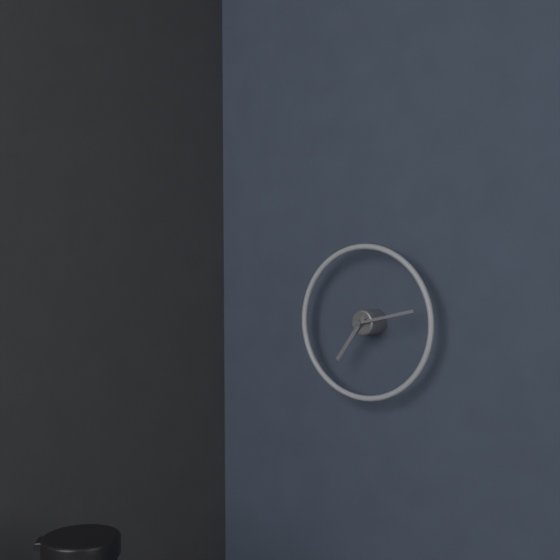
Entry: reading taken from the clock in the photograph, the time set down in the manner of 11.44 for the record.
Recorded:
7.13
